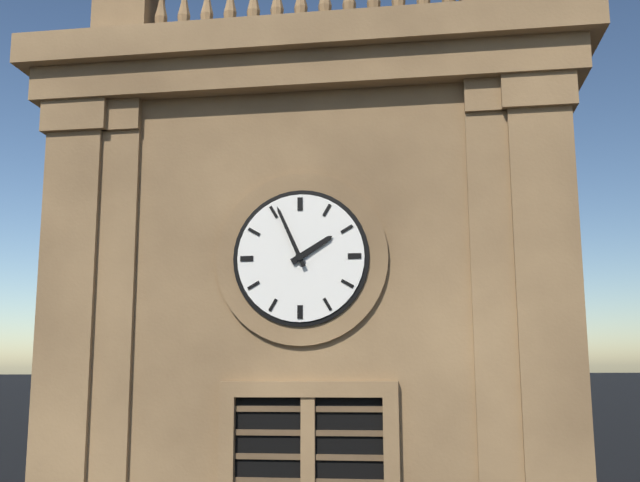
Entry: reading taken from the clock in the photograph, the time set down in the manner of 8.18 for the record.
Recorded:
1.56
